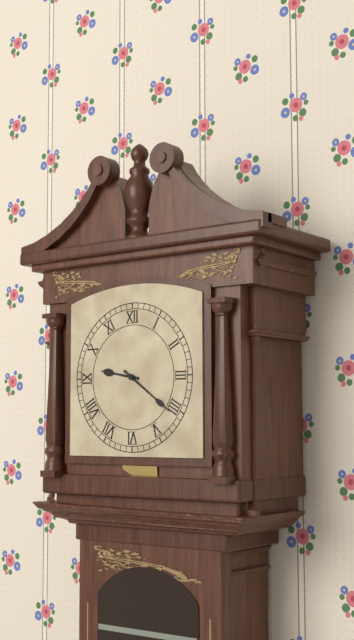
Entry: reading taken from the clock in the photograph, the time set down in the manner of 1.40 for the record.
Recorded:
9.21
